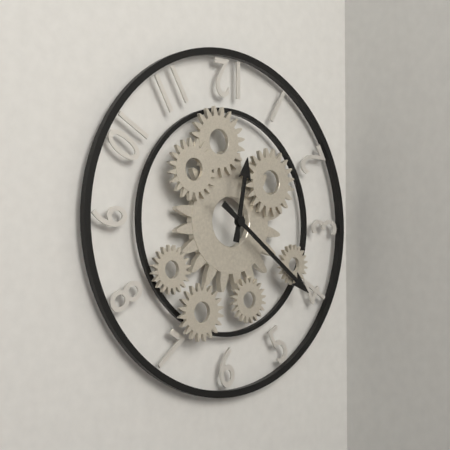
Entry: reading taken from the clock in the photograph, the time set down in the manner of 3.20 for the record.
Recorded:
12.21
